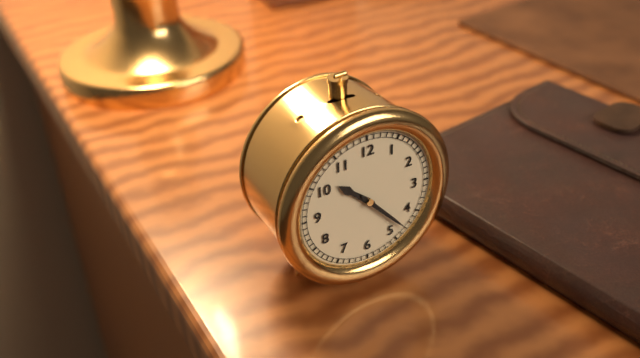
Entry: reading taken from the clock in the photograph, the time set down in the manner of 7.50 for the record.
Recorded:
10.23
